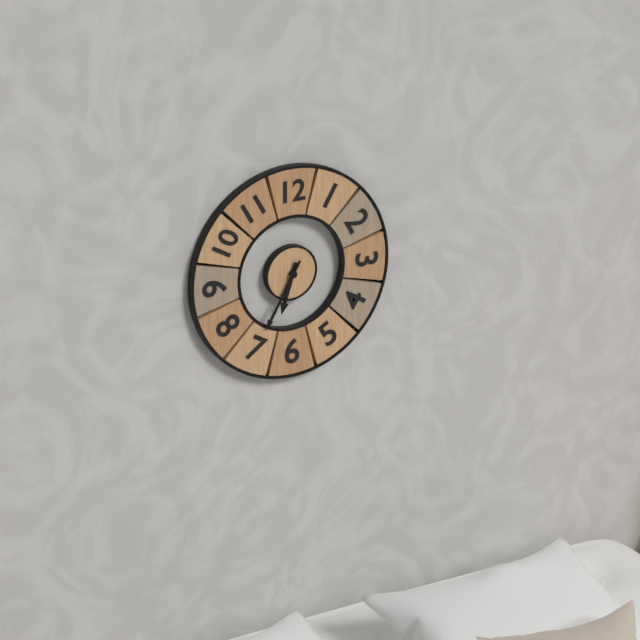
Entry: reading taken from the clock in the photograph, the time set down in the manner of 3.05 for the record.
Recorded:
6.35
